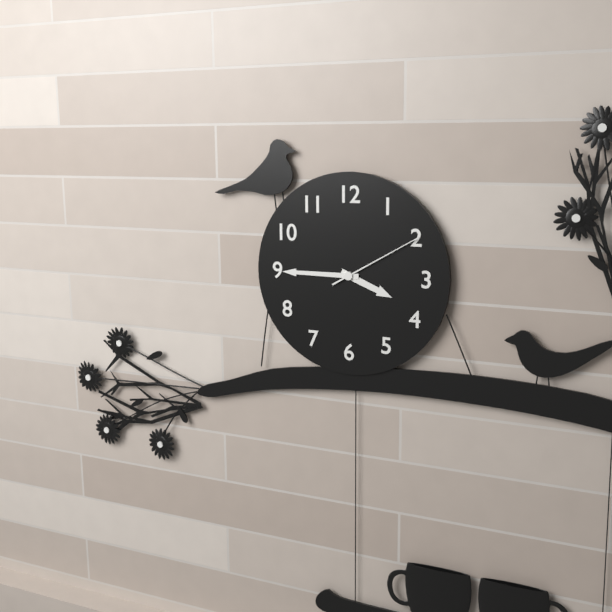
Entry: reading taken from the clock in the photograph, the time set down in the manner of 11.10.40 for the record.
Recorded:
3.45.10
